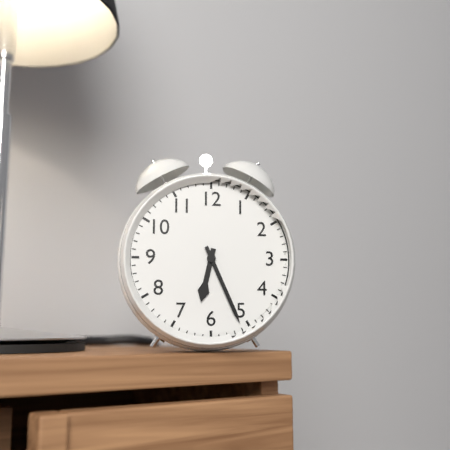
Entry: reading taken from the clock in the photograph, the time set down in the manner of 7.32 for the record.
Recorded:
6.26
